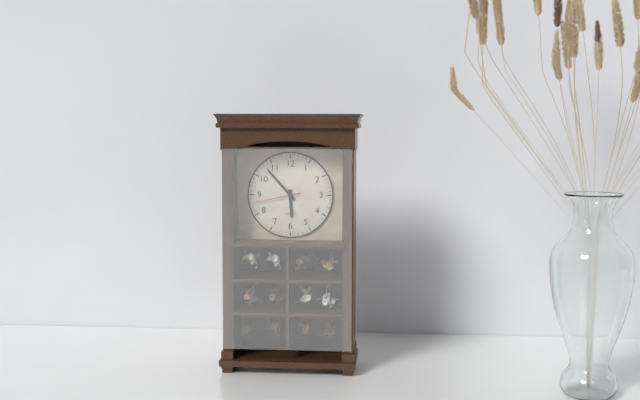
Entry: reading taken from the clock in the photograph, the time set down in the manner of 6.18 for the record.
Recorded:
5.53
